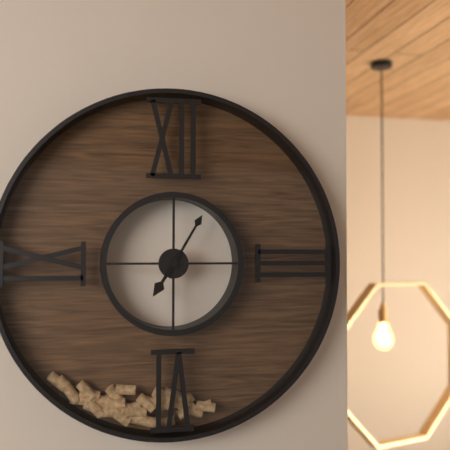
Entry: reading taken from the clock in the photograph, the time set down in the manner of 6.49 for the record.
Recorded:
7.05
